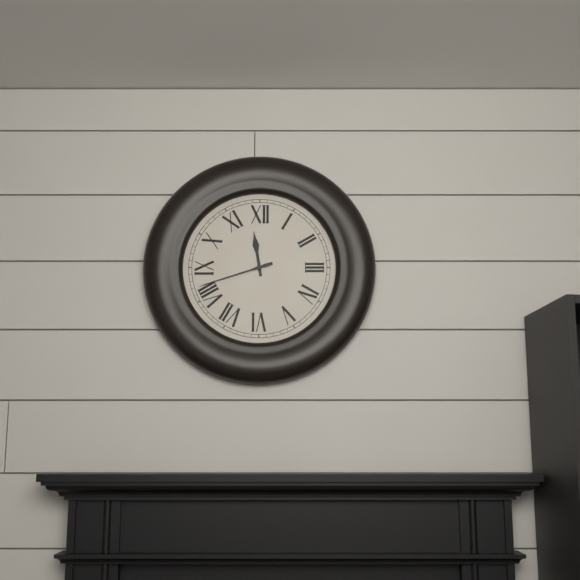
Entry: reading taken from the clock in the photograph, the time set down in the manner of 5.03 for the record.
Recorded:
11.42
